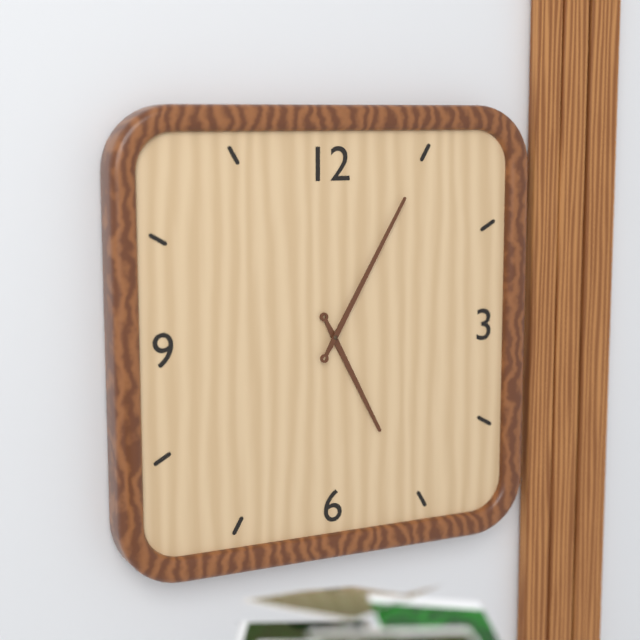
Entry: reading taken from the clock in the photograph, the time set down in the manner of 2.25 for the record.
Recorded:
5.05
